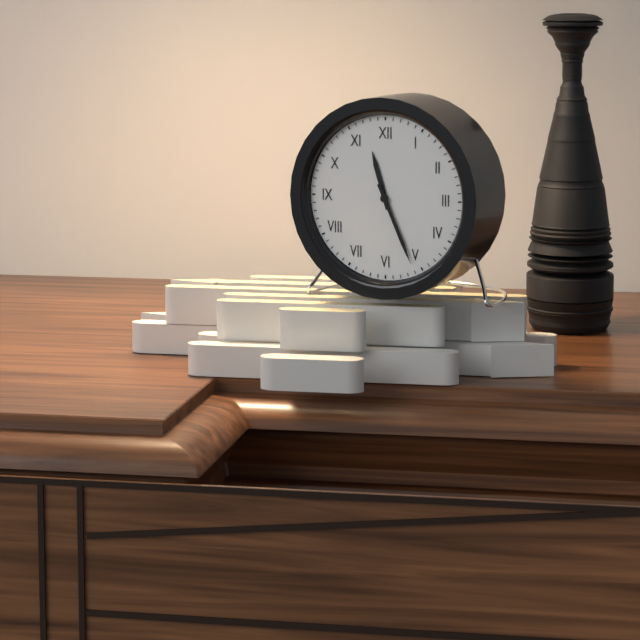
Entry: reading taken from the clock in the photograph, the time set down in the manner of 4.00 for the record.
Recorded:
11.26
